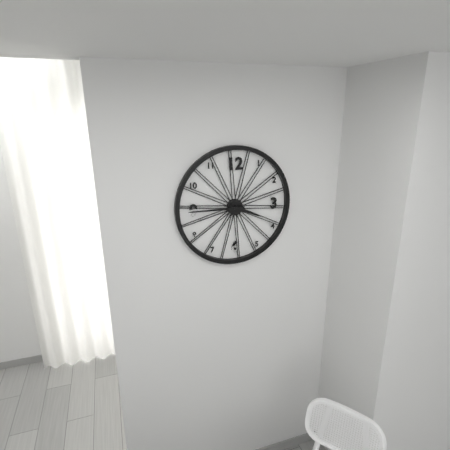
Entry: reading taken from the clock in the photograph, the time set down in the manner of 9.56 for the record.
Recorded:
3.45
